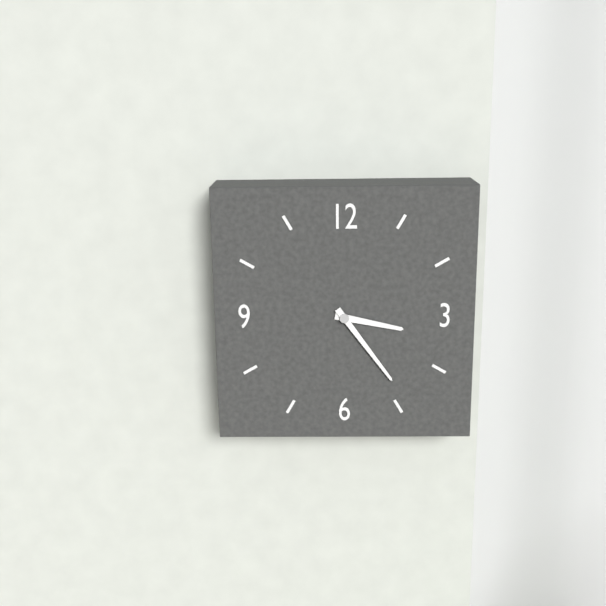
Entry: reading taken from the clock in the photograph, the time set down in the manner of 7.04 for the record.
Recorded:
3.24
